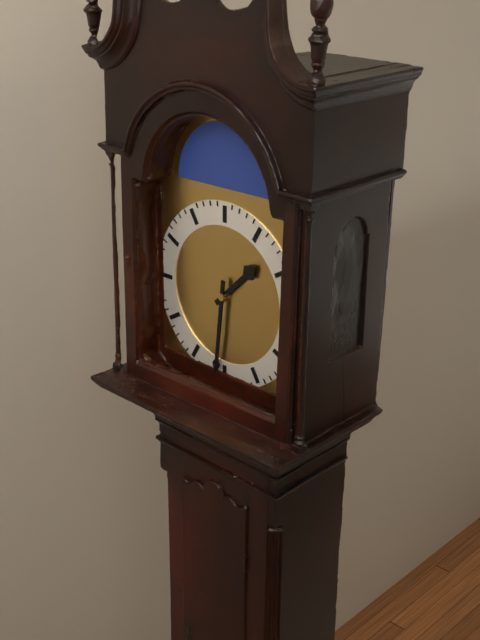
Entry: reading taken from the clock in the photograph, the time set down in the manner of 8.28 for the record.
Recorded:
1.31
